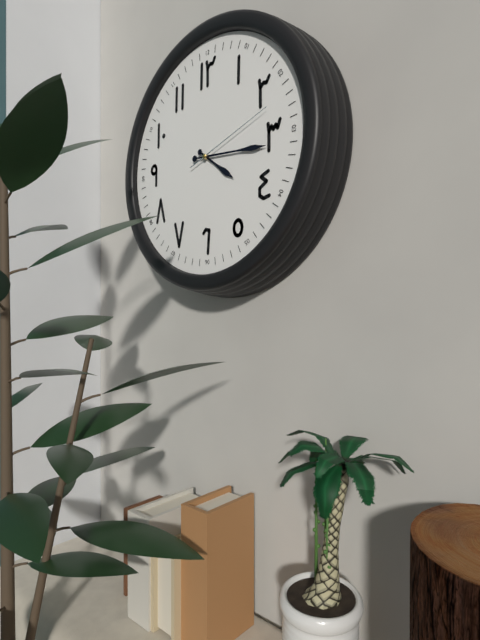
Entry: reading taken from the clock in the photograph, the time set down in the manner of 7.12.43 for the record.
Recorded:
4.16.12
